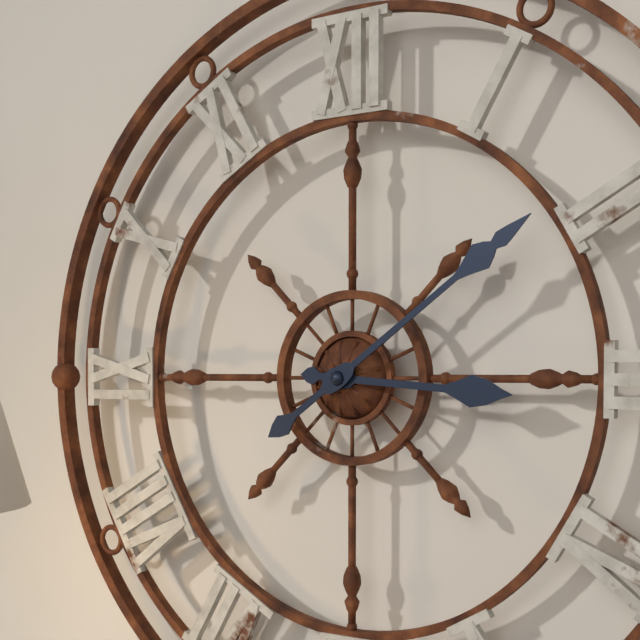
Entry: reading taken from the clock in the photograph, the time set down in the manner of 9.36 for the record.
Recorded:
3.09
